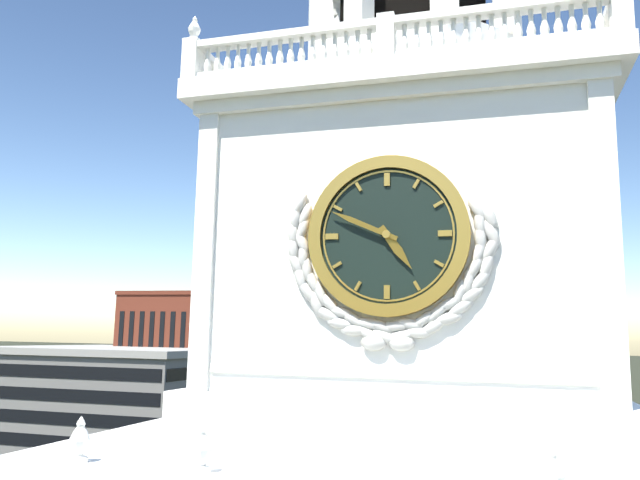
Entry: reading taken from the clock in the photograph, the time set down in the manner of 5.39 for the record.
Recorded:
4.49
